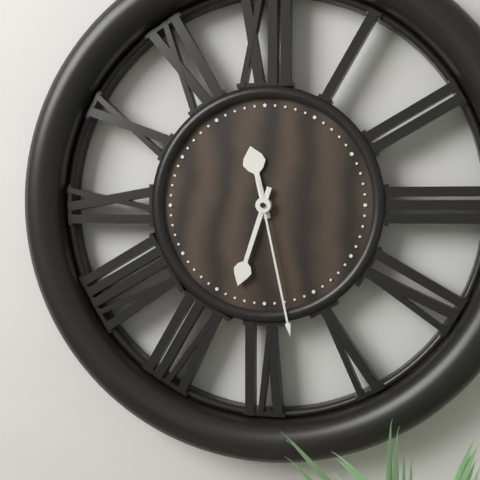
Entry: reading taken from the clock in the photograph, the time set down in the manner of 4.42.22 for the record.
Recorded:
11.33.28
